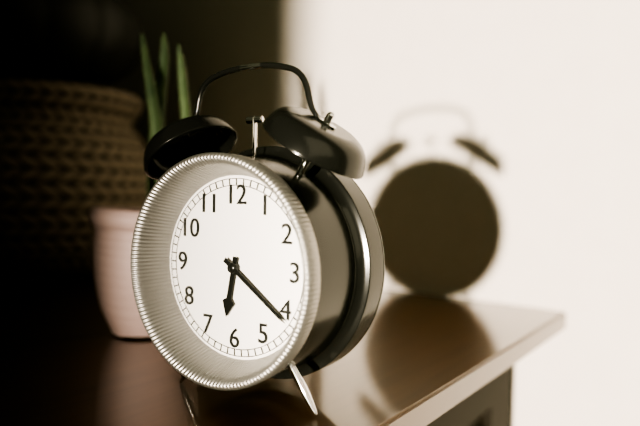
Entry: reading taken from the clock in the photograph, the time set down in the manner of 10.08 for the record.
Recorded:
6.21
